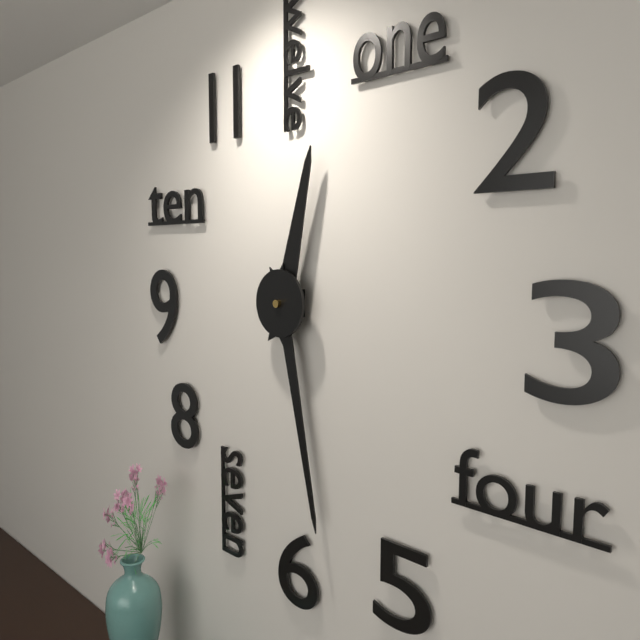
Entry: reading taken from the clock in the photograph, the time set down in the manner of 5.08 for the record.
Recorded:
12.28
